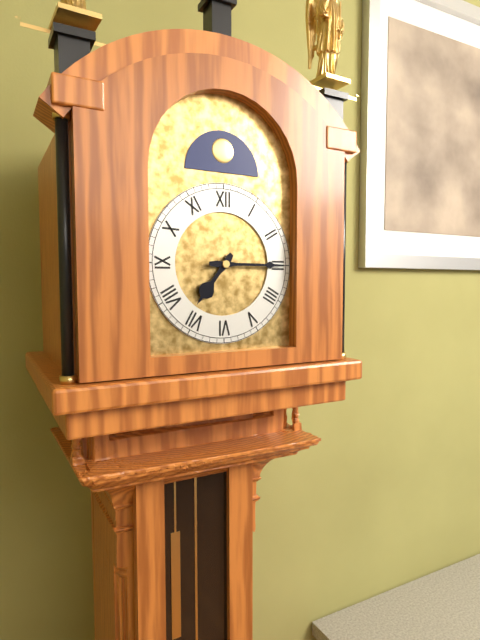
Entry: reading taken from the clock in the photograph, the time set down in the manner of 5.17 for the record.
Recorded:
7.15
